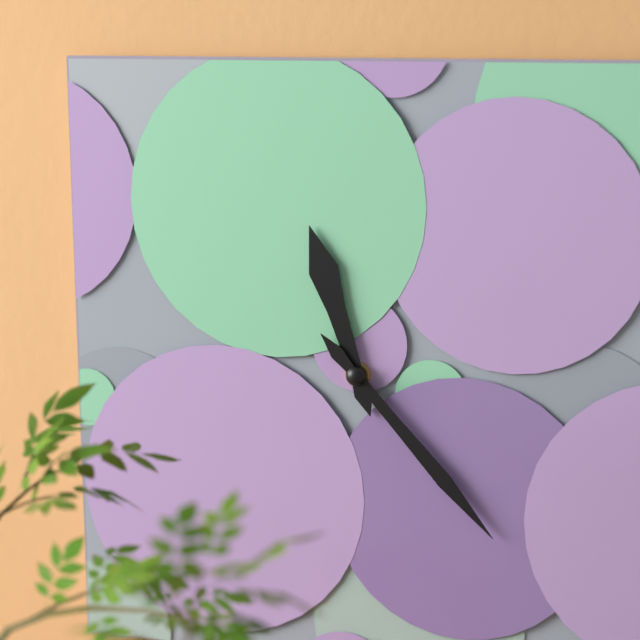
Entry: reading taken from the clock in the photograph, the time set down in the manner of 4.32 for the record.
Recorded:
11.23
